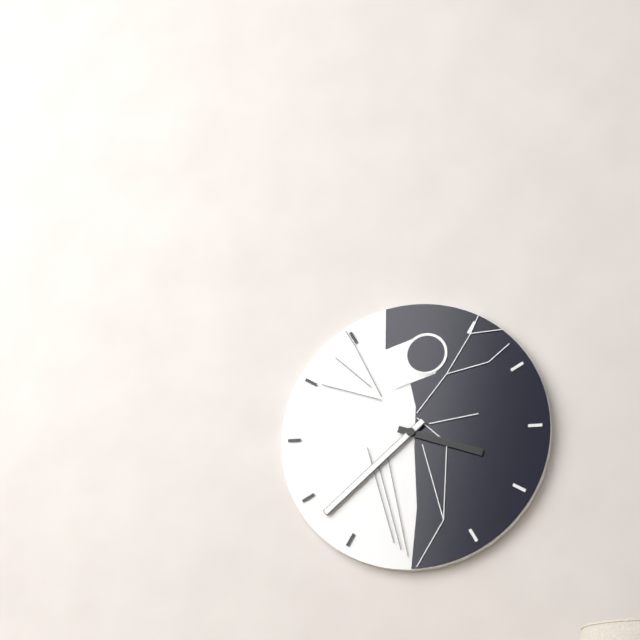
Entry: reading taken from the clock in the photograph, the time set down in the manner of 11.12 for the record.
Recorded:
3.38
